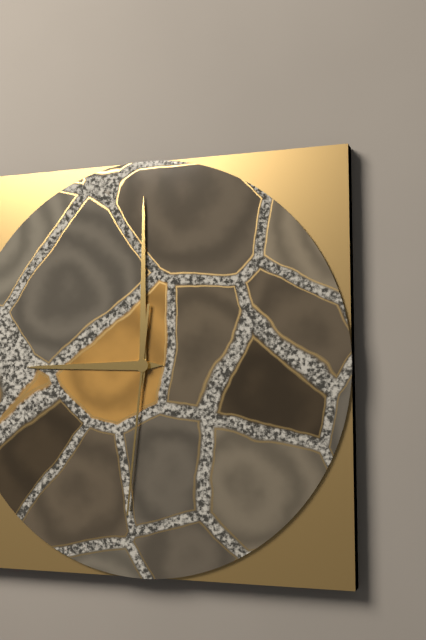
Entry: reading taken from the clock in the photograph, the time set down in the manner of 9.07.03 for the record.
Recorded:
9.00.31
